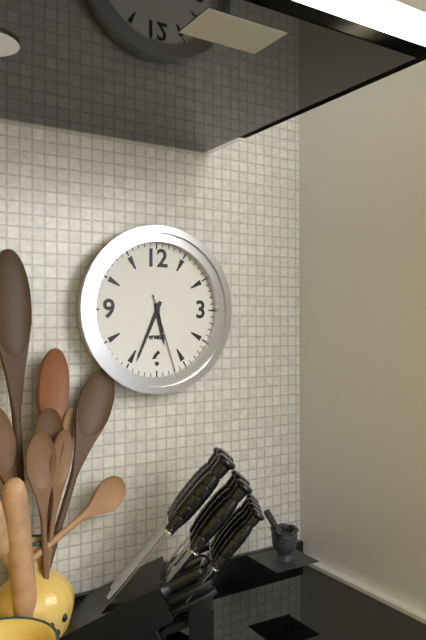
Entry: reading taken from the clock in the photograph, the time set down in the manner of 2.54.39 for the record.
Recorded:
5.34.27
